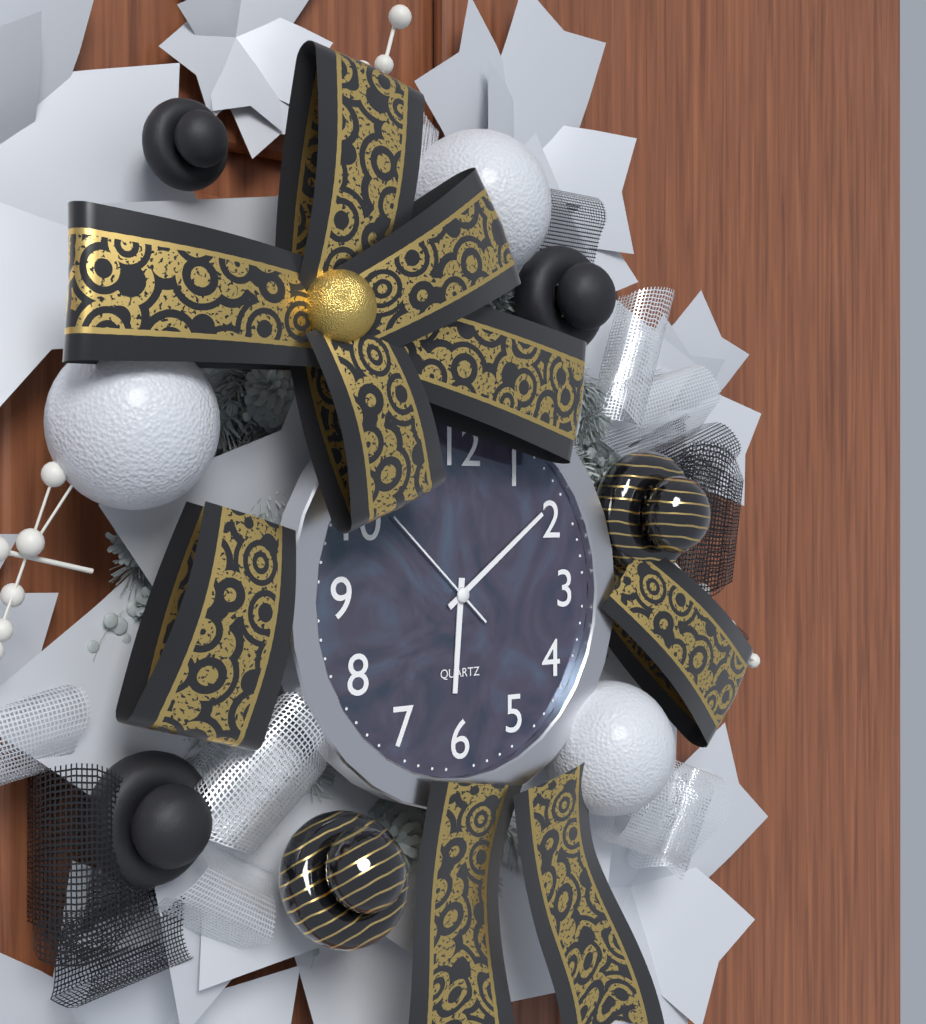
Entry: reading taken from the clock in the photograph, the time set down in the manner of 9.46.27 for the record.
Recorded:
6.09.52
